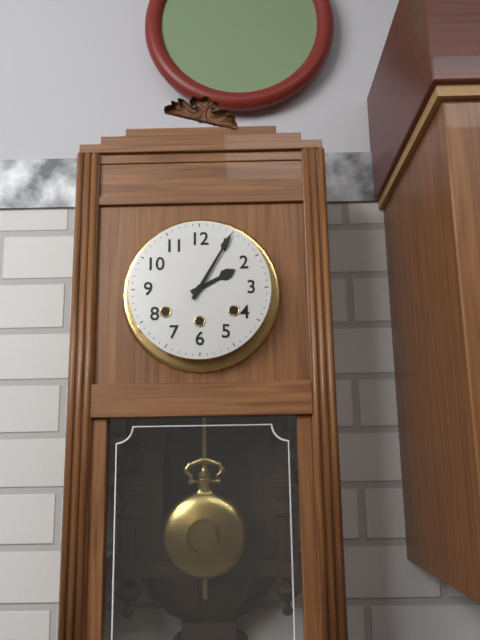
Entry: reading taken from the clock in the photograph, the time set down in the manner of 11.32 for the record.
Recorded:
2.05
